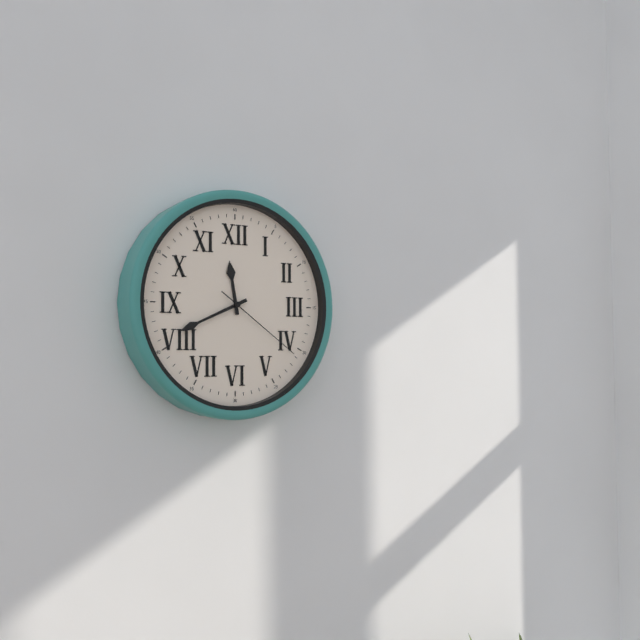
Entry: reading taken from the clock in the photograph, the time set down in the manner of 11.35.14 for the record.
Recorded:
11.41.21
